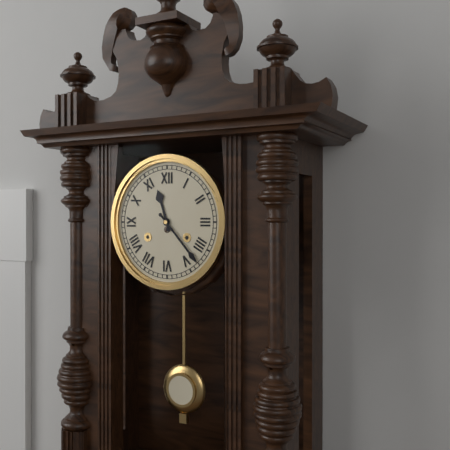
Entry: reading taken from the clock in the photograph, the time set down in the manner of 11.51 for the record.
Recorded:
11.23
